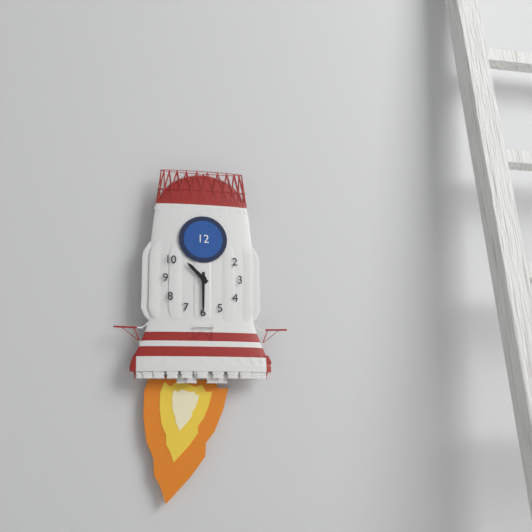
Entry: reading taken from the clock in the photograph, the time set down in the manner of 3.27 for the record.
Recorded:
10.30
